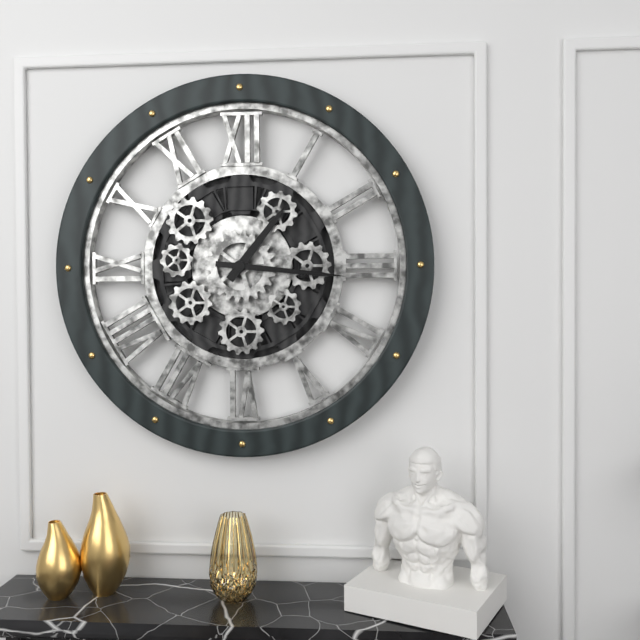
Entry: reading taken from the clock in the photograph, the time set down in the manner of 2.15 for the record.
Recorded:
1.16
